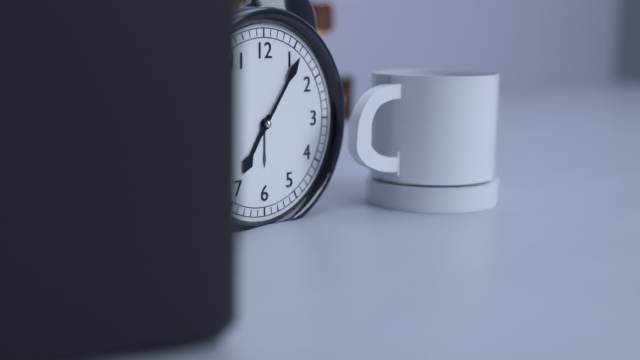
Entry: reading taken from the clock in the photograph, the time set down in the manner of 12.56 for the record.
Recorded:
7.06
